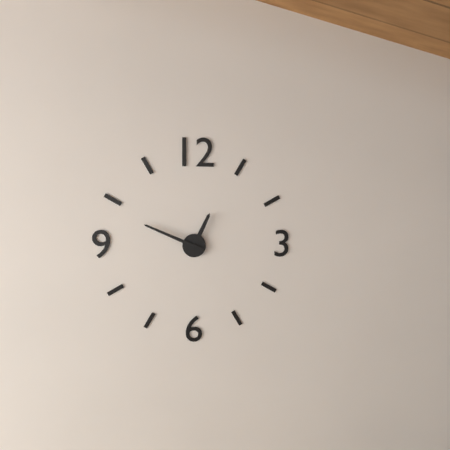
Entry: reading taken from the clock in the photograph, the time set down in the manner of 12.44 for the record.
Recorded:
12.49
